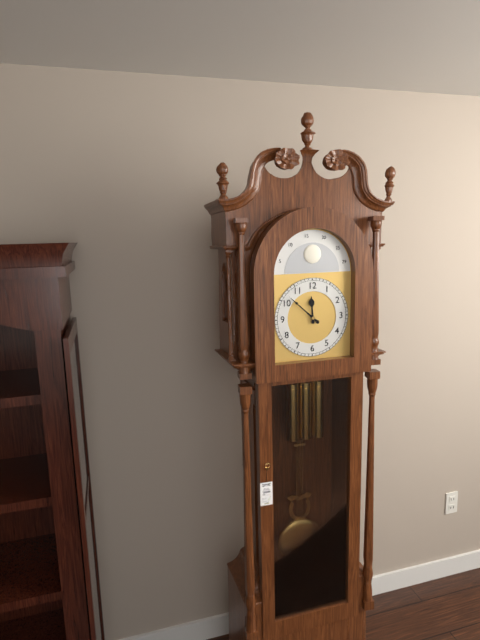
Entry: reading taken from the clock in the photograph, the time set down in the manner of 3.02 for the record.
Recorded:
11.52
